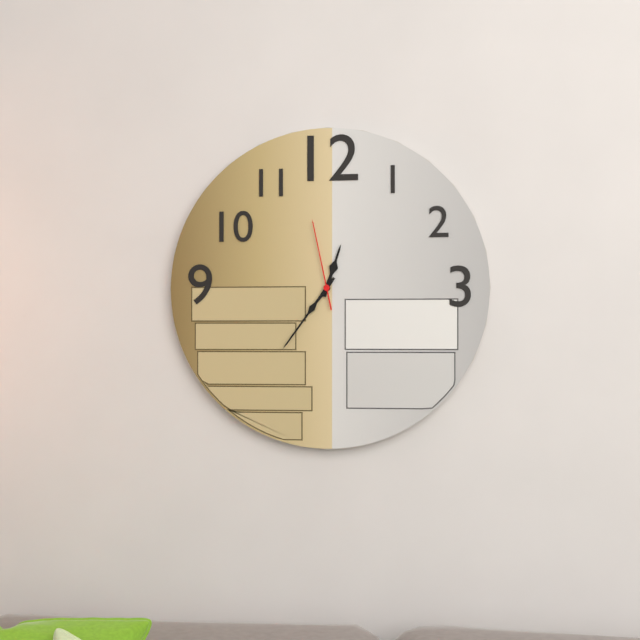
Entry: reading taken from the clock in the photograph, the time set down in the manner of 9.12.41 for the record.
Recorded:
12.36.58
